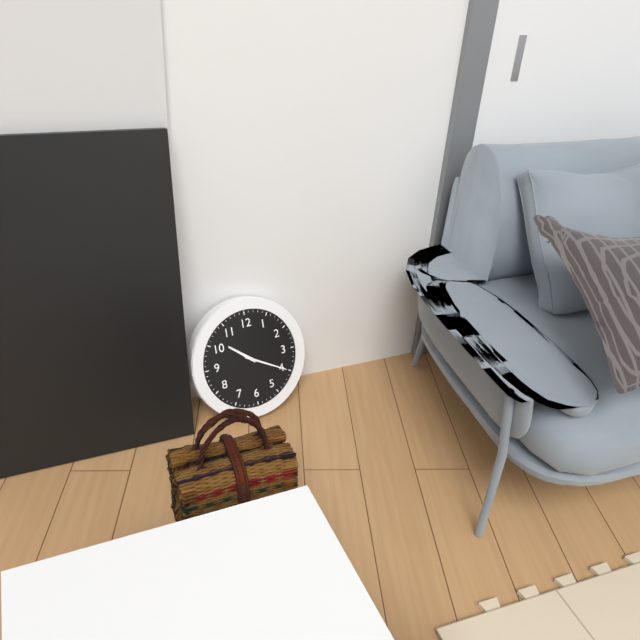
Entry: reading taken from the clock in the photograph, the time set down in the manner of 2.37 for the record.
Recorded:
10.20
